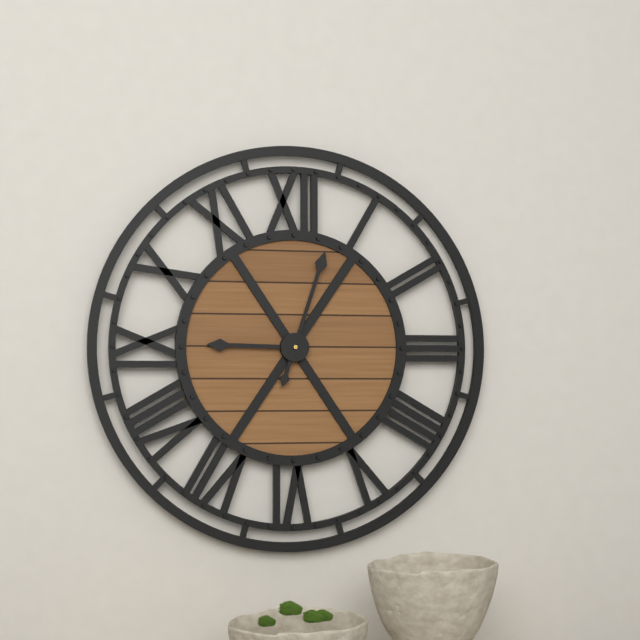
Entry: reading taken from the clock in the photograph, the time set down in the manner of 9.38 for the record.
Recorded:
9.03
